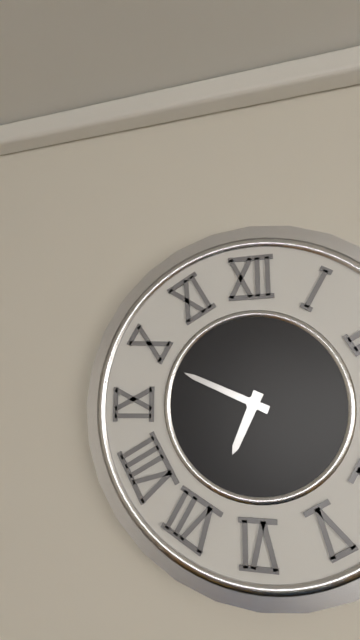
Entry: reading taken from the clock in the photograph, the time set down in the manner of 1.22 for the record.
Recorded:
6.49
